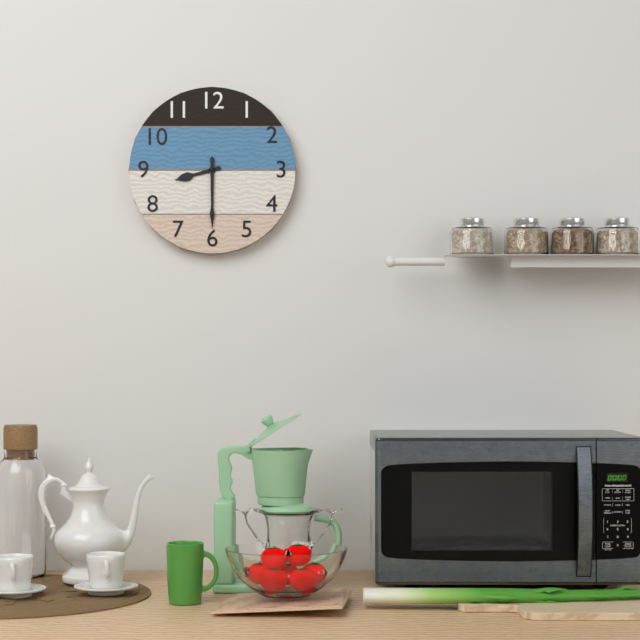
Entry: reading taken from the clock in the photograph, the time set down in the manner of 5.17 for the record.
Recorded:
8.30
